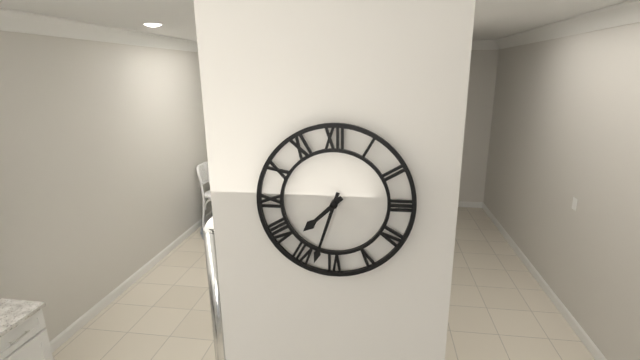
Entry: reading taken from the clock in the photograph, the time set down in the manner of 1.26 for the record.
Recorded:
7.33
